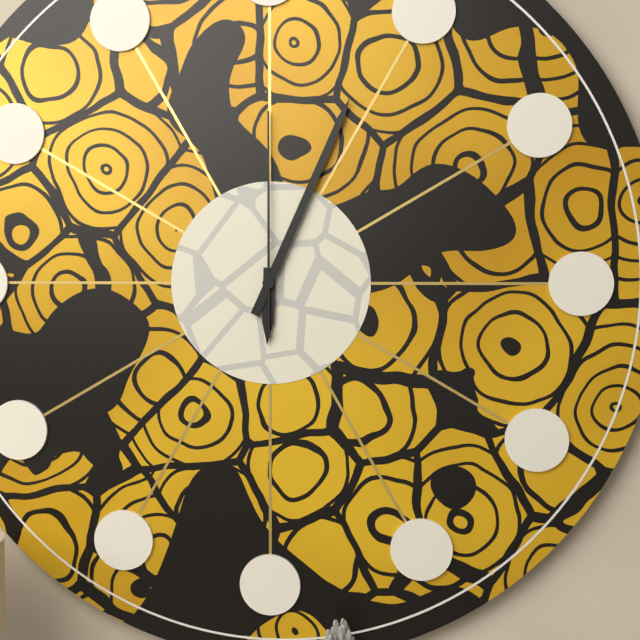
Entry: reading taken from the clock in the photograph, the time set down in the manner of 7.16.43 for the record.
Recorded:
6.04.00
